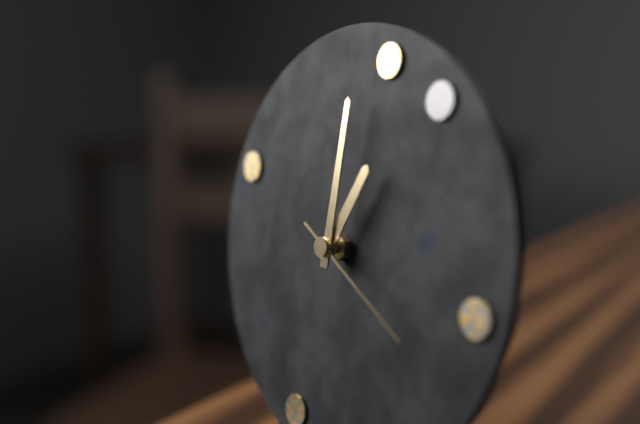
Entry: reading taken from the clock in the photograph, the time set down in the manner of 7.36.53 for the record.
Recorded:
1.01.20
